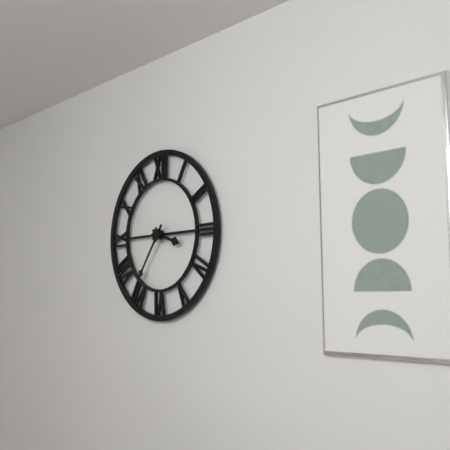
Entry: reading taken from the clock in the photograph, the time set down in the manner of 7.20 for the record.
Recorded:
3.36
